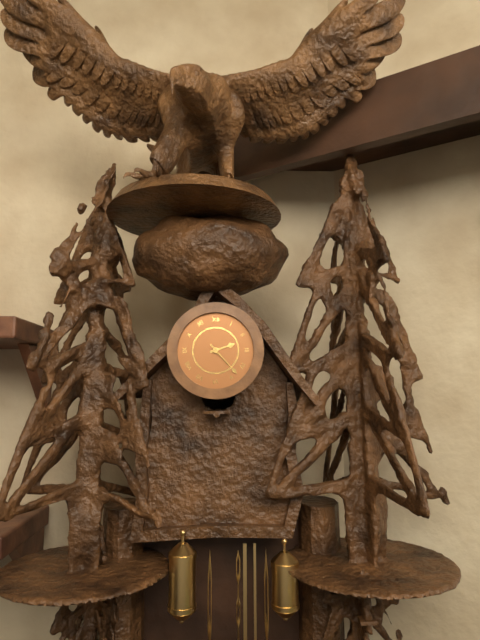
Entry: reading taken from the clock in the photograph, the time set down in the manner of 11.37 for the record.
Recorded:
2.23
